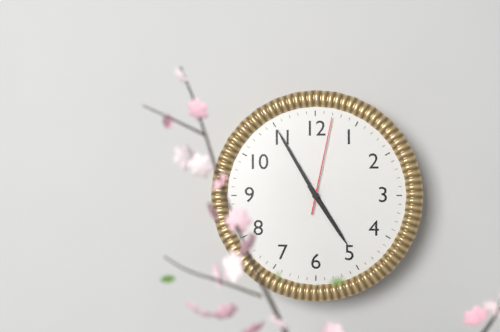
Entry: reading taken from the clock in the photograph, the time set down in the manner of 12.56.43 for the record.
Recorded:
4.55.02
